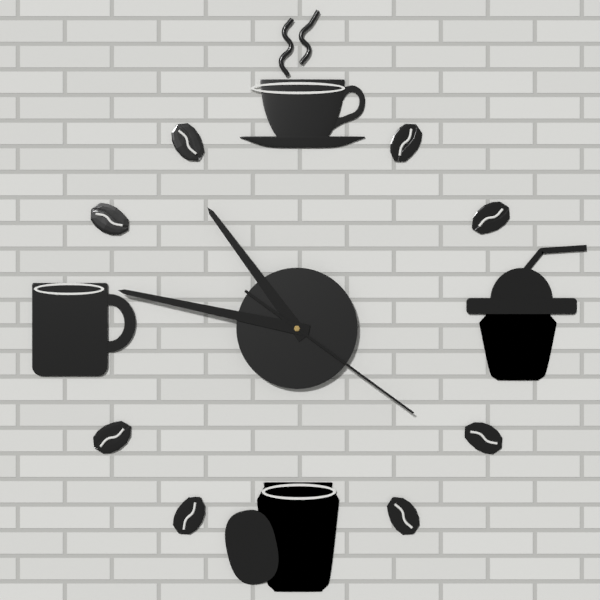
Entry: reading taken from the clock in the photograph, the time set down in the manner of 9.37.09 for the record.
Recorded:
10.47.21
